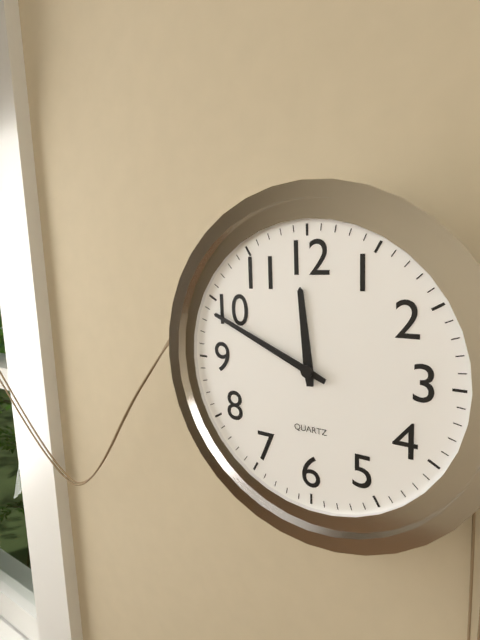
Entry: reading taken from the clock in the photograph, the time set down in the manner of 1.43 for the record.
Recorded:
11.49
